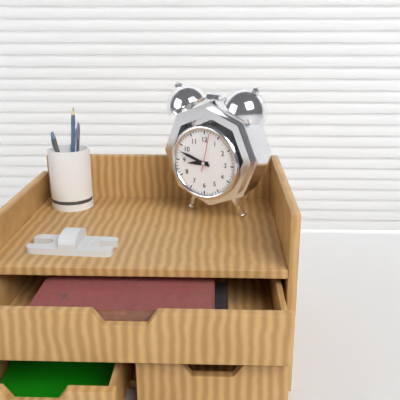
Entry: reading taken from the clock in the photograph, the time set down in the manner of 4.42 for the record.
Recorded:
8.48
